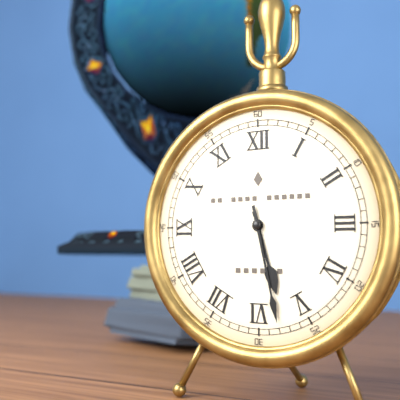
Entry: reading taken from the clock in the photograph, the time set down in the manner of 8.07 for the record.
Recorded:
5.28
